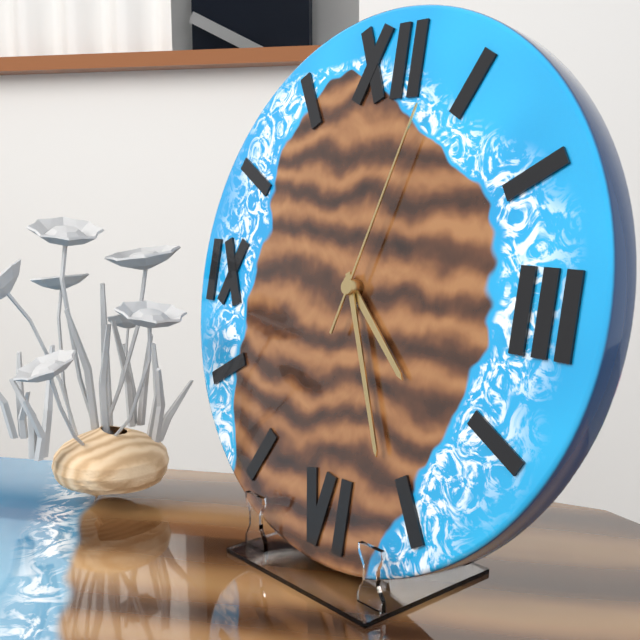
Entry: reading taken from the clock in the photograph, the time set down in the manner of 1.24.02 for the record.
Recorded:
4.26.03
